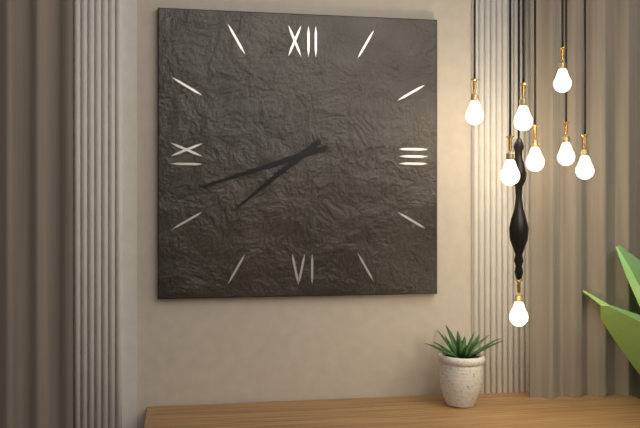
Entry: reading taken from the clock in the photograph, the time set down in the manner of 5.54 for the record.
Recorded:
7.42
